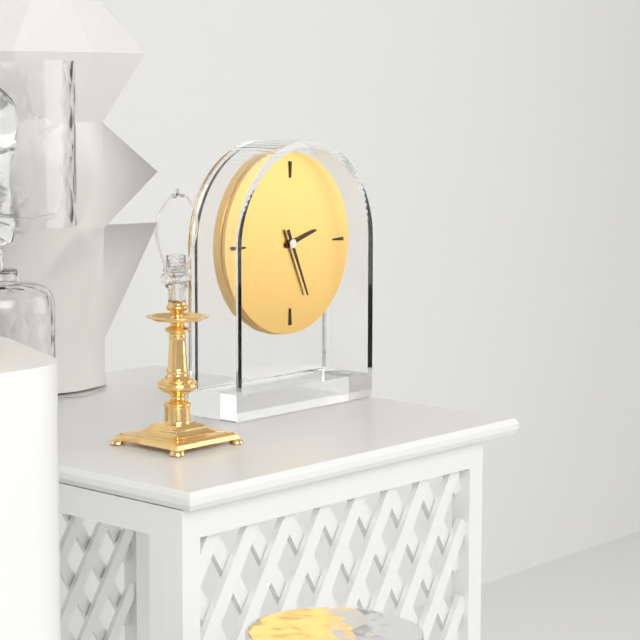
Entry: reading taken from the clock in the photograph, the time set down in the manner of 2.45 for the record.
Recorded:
2.26
